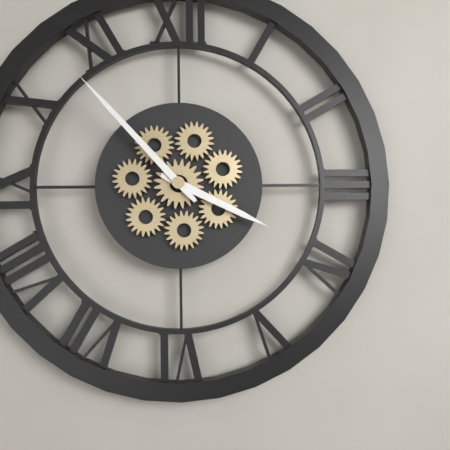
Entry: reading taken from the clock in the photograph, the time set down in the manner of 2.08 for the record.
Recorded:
3.53
